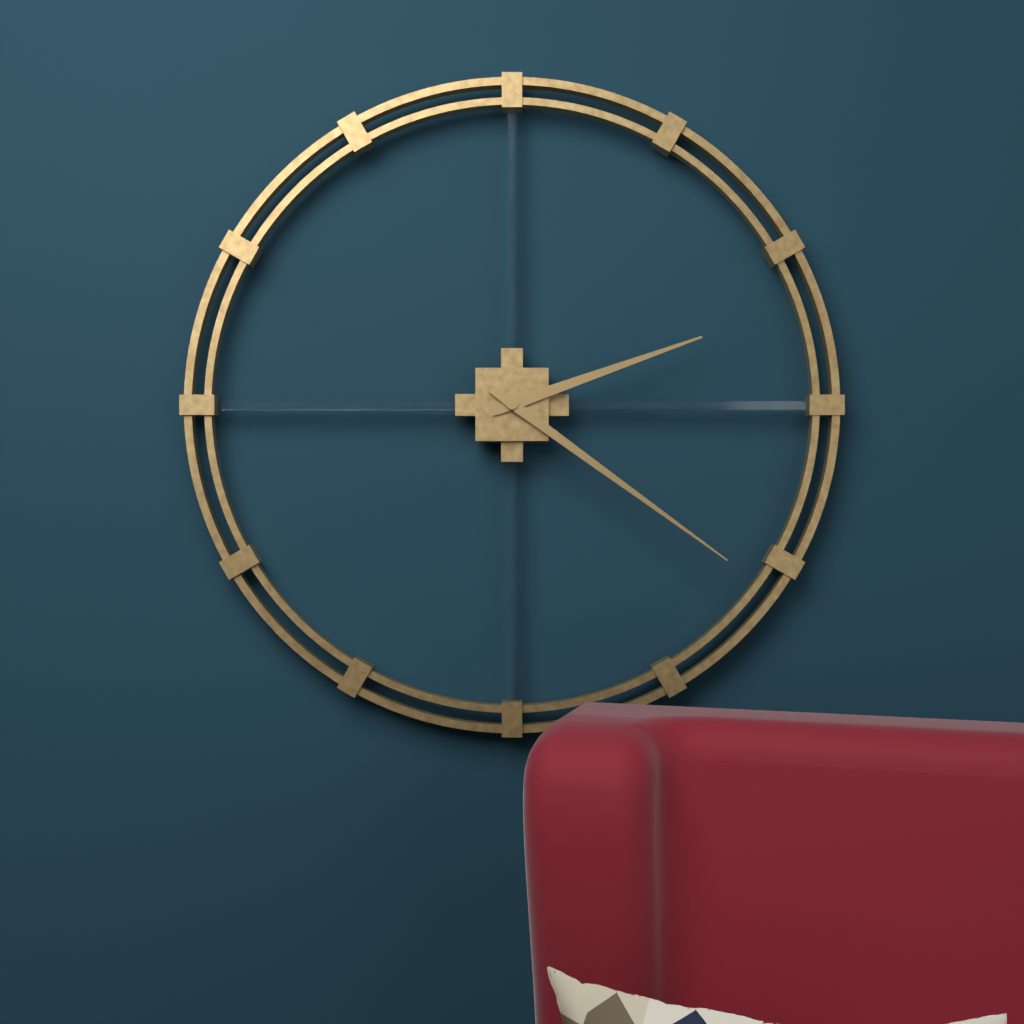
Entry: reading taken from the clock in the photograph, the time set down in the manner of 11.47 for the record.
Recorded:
2.21
